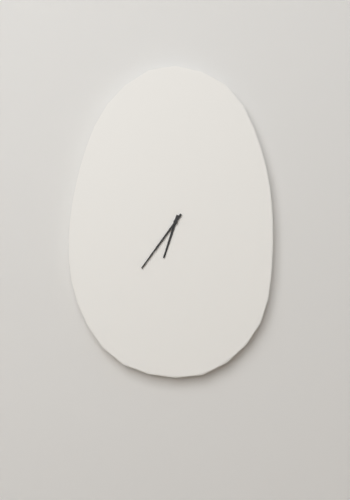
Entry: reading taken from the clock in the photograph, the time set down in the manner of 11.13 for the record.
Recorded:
6.36
